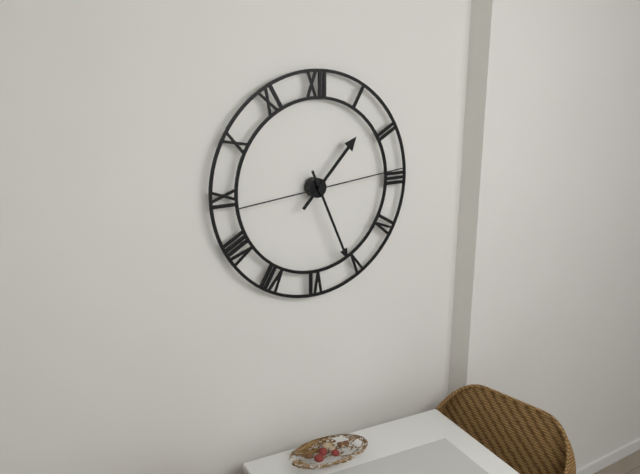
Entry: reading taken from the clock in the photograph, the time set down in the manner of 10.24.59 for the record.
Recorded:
1.26.14
